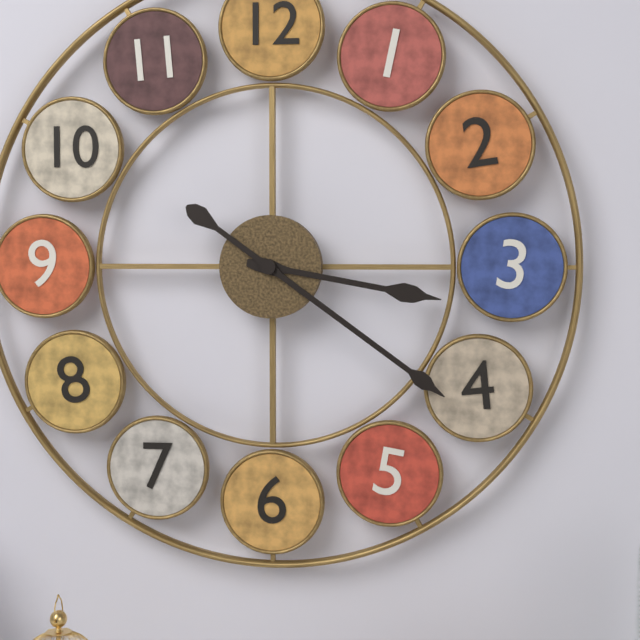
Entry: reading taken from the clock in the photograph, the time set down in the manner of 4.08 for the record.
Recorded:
3.21
